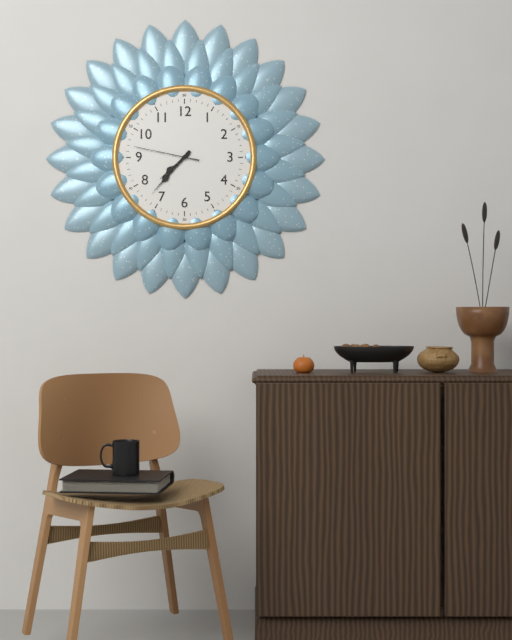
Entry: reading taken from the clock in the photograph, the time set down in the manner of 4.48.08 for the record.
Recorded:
7.37.47
